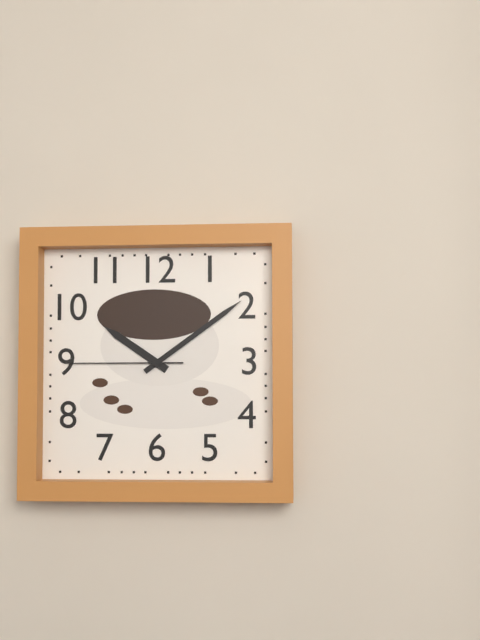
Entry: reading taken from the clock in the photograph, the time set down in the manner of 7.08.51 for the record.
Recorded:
10.09.45
